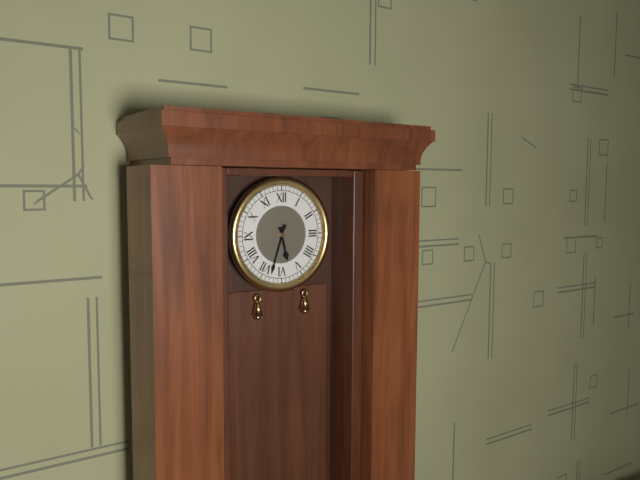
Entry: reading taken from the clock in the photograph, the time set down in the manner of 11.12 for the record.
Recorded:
5.33
